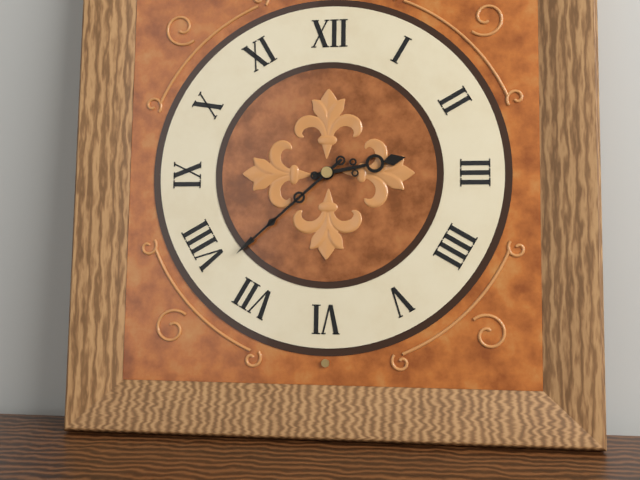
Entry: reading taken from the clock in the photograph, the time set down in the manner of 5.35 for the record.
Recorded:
2.38
